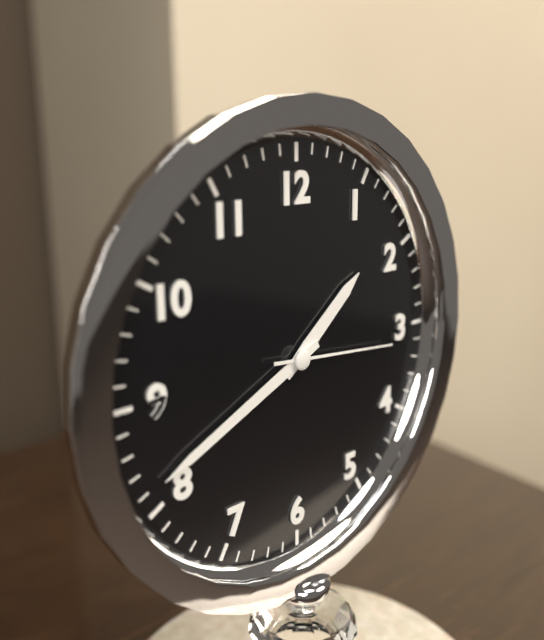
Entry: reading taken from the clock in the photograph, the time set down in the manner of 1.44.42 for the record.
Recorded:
1.41.16
